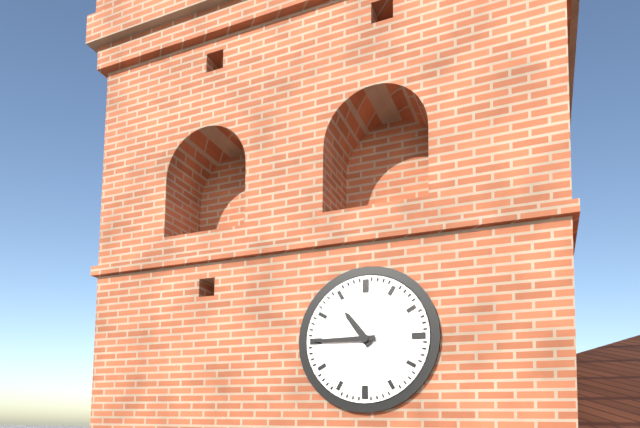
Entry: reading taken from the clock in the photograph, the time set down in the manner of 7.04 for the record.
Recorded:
10.45
